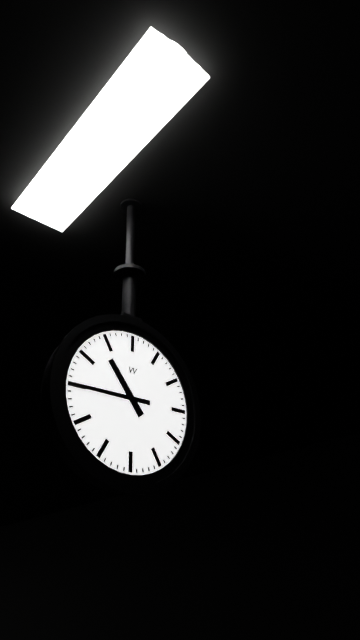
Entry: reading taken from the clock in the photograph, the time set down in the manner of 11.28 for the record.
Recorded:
10.45
